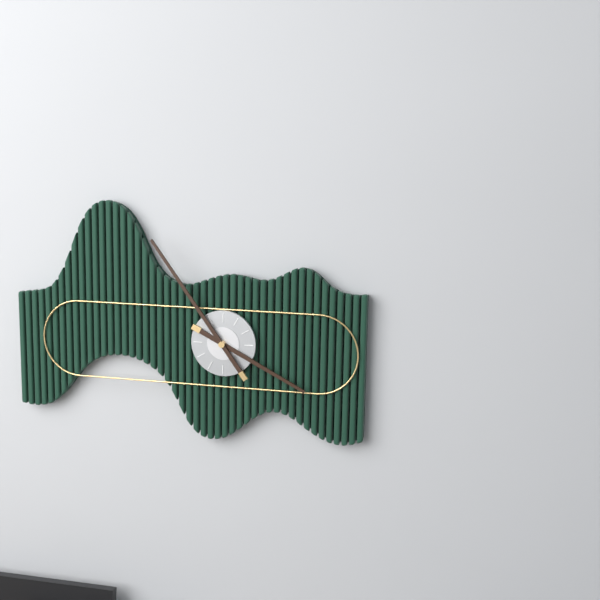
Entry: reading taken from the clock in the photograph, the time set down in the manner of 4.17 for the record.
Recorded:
3.54
